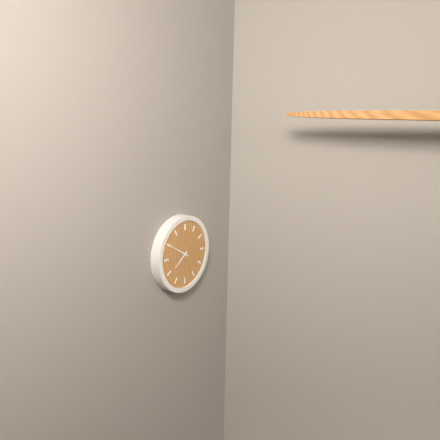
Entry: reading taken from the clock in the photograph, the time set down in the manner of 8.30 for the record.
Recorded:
7.50
